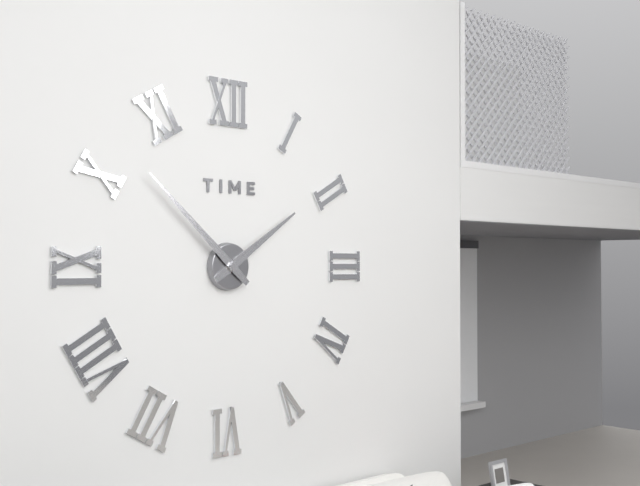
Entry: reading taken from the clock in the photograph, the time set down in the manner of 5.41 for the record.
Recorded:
1.52
